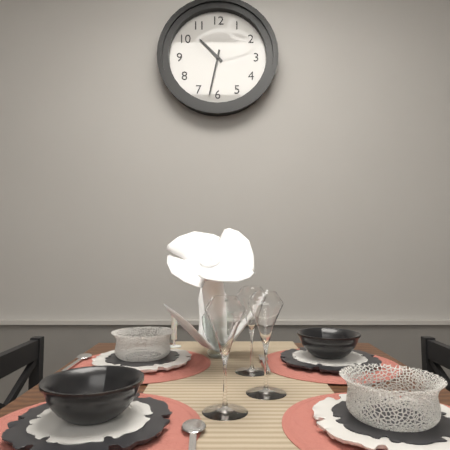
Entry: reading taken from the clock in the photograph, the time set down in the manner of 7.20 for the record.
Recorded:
10.32
